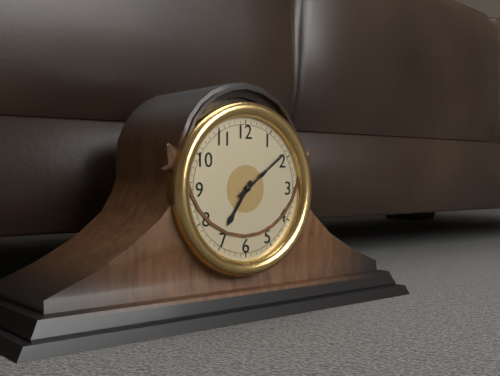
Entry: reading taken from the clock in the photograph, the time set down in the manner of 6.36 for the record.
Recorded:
7.09
